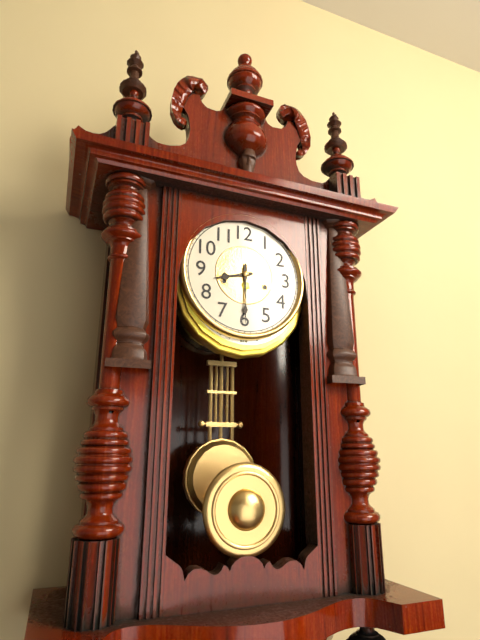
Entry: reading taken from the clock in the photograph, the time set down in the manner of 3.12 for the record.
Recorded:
8.30
